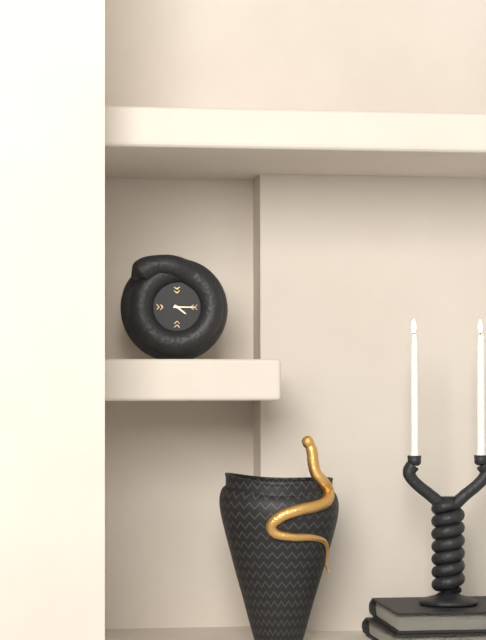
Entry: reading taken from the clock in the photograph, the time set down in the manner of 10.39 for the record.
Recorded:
4.15
